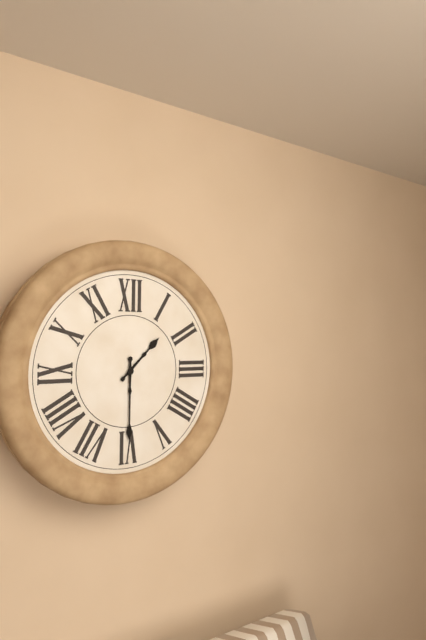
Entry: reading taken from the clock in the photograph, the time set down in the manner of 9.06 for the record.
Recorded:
1.30
